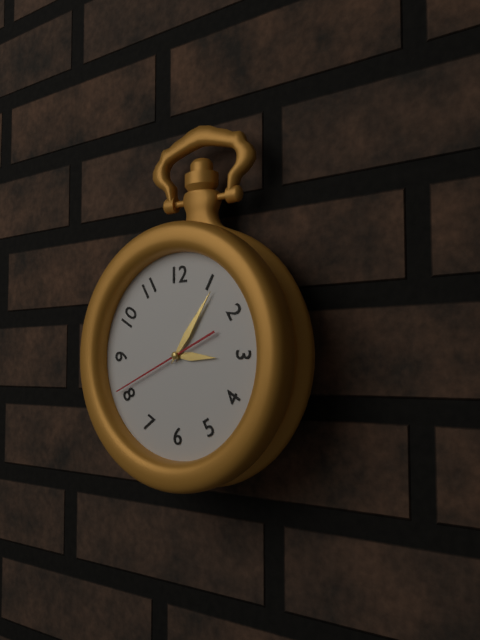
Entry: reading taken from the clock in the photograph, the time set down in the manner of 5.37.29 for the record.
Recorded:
3.06.41
